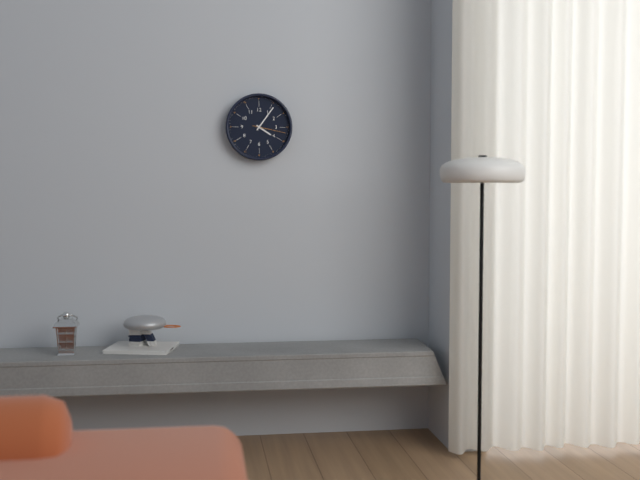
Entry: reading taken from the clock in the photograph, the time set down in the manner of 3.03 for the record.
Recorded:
4.06
